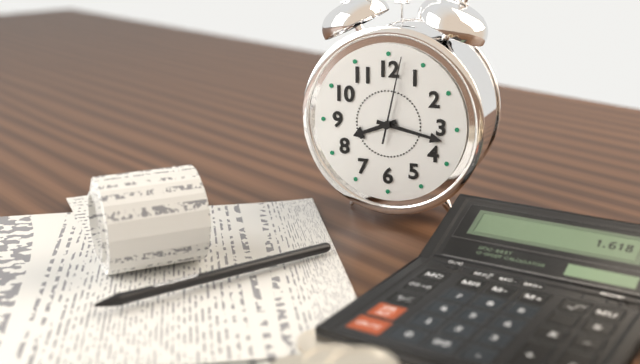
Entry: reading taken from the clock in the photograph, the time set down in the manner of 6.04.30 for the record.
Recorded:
8.17.02
